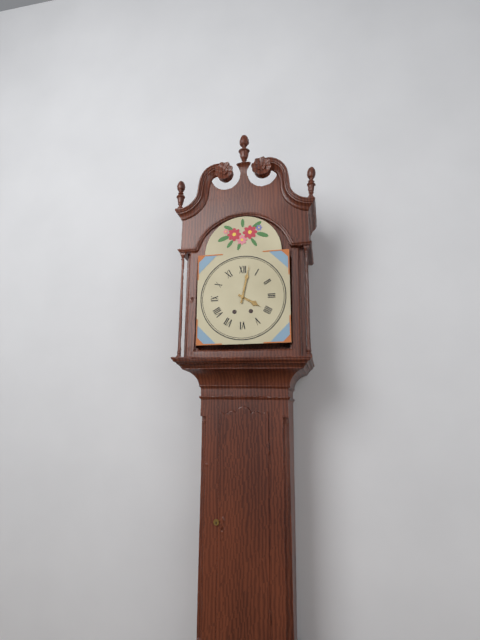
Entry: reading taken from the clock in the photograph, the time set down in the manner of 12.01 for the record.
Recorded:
4.02
